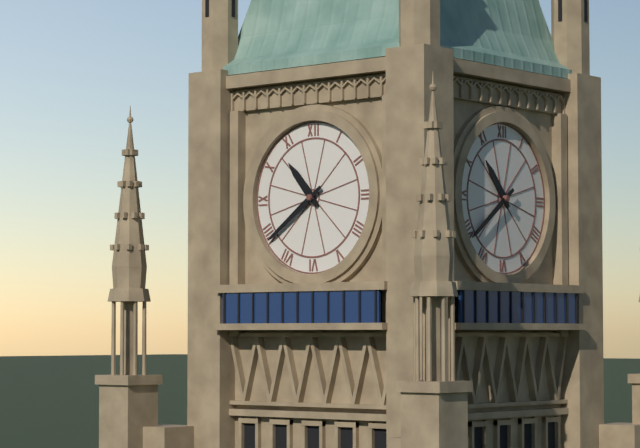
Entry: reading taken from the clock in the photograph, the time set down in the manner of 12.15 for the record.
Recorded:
10.39
